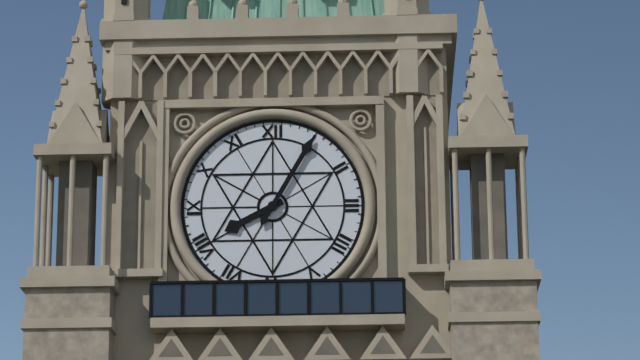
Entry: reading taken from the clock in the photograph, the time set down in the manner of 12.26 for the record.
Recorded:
8.05
